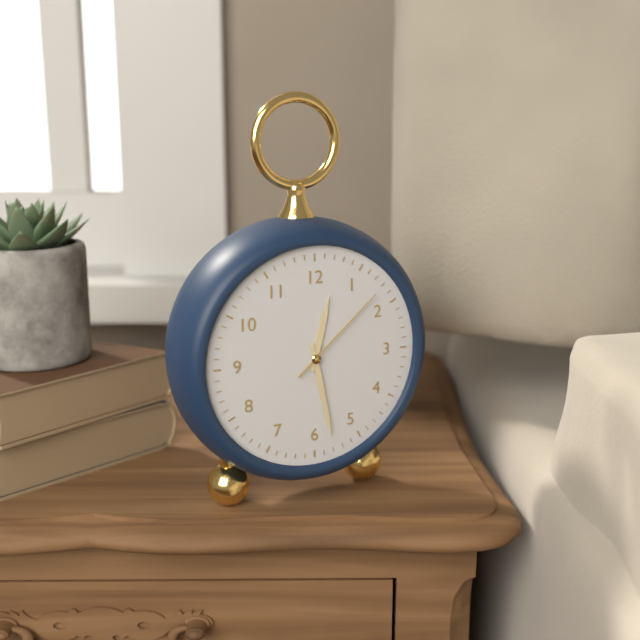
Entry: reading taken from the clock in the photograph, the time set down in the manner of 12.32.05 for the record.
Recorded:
12.28.08
